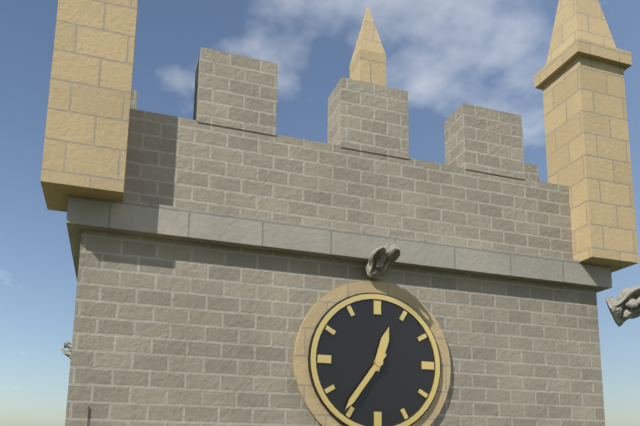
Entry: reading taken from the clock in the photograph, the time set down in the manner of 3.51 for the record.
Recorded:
12.36
